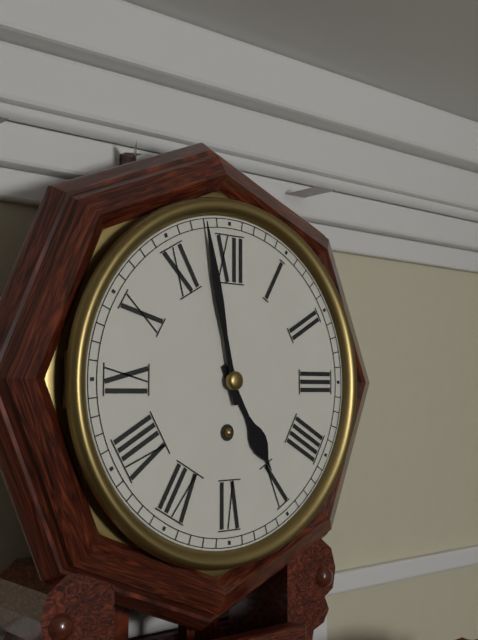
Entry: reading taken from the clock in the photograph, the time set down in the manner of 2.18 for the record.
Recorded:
4.58
